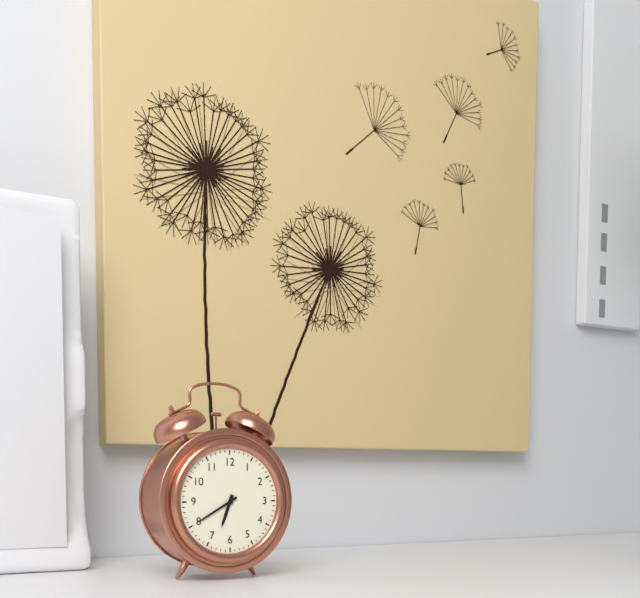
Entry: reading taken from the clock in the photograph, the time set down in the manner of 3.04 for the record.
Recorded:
6.40
